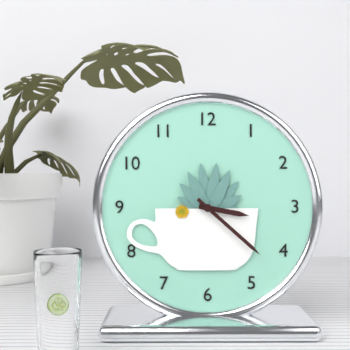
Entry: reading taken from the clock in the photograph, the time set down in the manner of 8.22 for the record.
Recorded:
3.22
